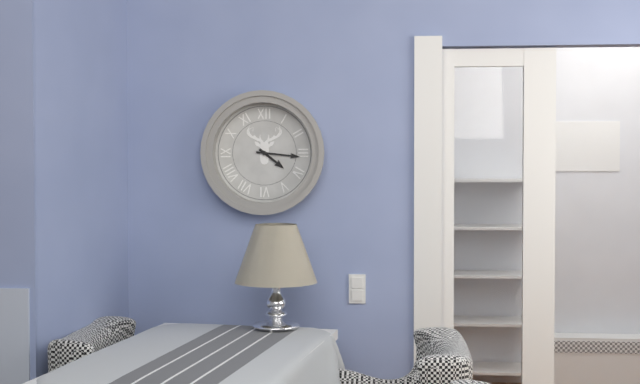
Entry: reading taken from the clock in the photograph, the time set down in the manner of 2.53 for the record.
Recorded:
4.16
